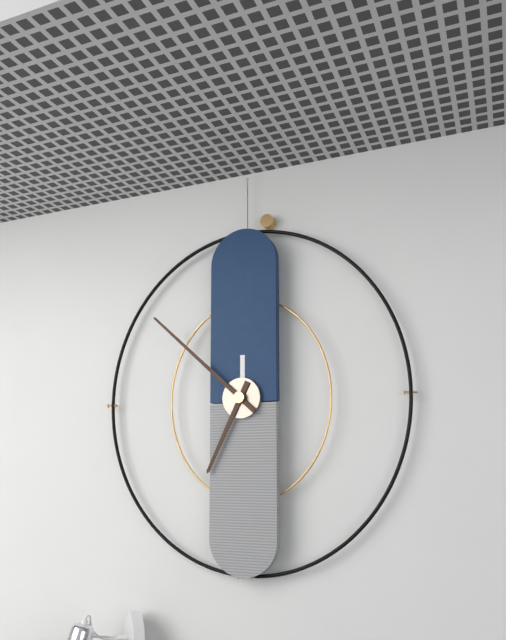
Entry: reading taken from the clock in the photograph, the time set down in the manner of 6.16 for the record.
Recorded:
6.52
